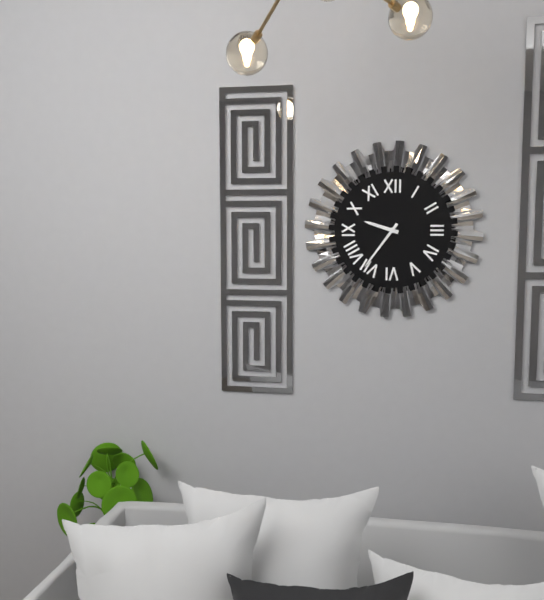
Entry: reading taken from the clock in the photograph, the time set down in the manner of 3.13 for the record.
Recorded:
9.36
